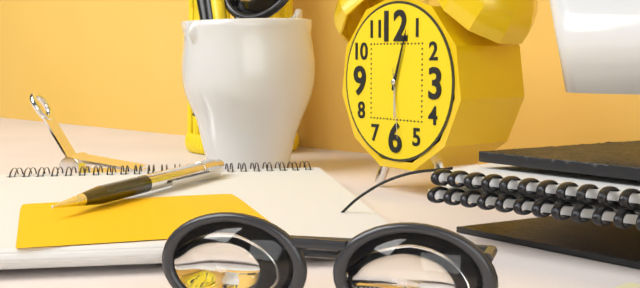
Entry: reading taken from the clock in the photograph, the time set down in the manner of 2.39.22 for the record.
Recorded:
6.03.29
